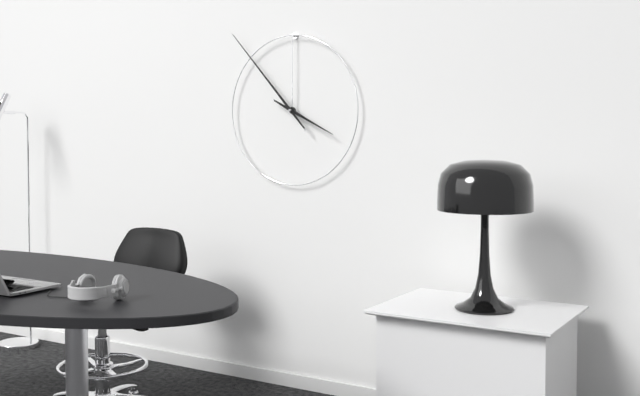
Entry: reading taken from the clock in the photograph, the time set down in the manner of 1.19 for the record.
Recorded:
3.53
